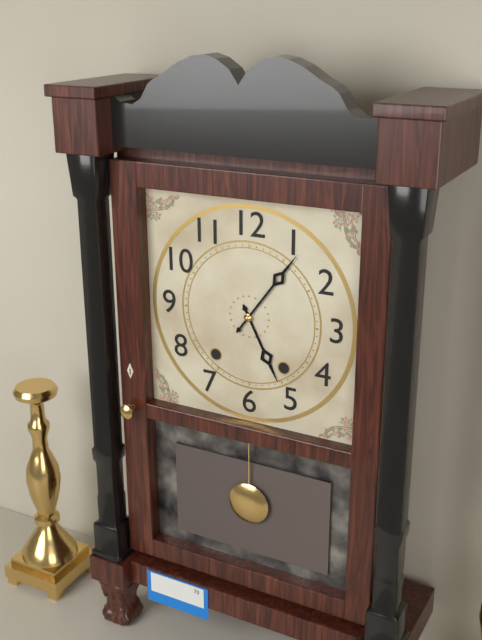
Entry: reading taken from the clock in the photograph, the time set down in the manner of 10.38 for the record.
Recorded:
5.06
